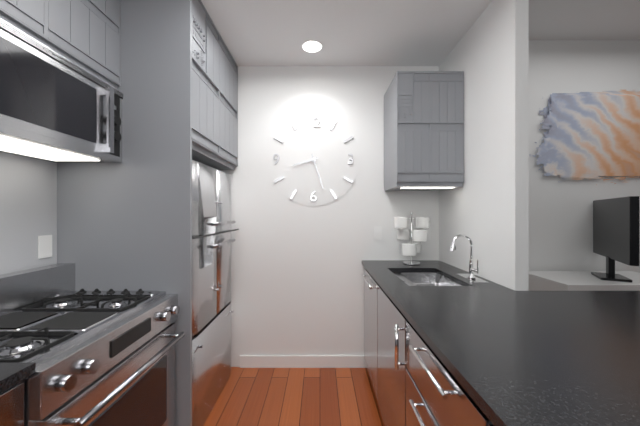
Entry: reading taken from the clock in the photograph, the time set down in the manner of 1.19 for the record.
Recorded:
8.27
